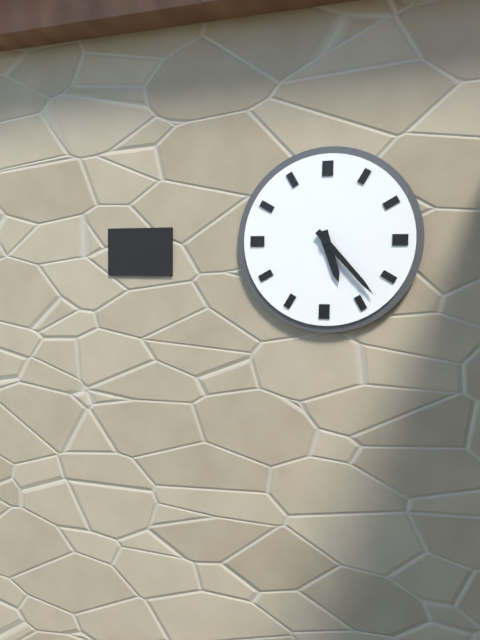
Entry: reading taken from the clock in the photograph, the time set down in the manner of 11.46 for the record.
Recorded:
5.23
